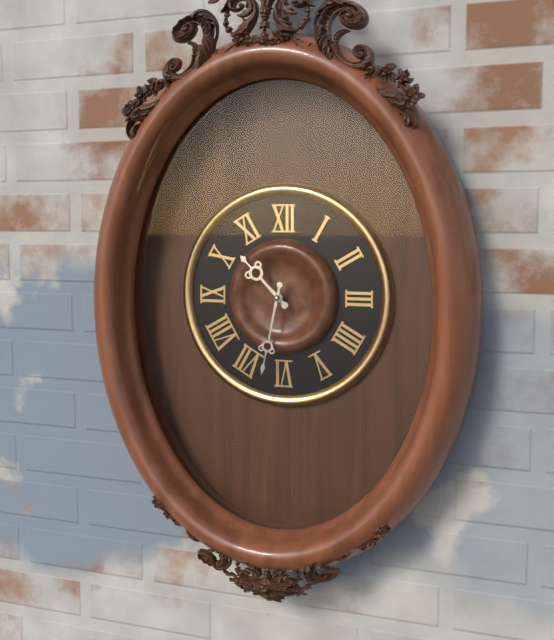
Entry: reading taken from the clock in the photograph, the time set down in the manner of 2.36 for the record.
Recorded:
10.32
